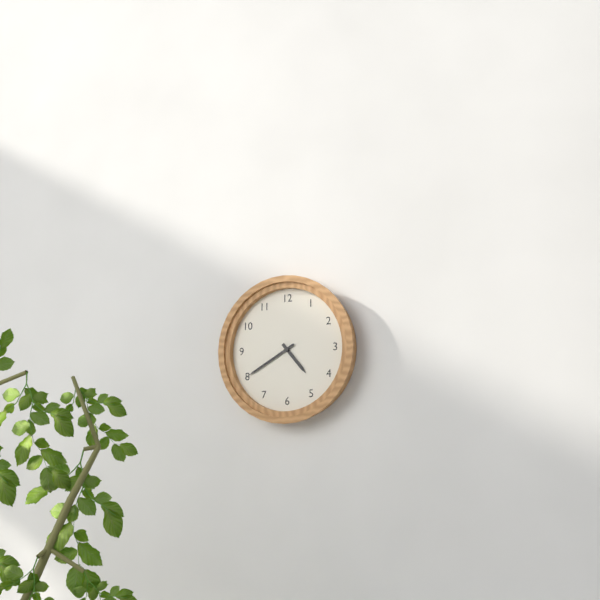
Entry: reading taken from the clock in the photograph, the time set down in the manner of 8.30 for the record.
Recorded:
4.40
